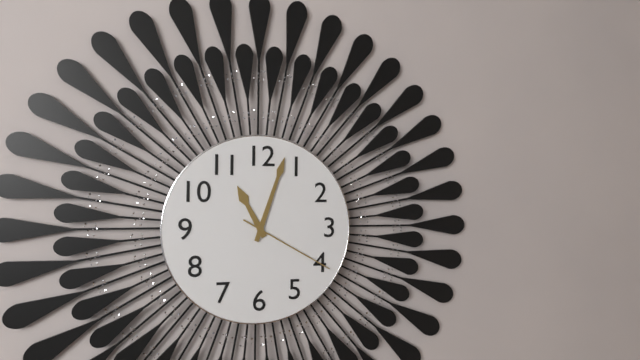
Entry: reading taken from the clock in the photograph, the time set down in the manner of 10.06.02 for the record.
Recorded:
11.03.20
